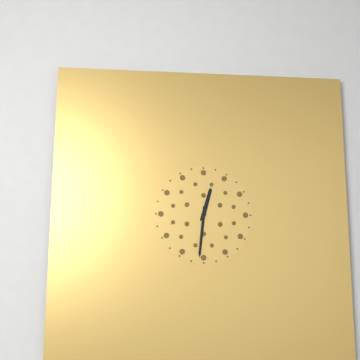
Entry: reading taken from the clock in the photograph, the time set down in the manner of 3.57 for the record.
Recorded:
12.31
